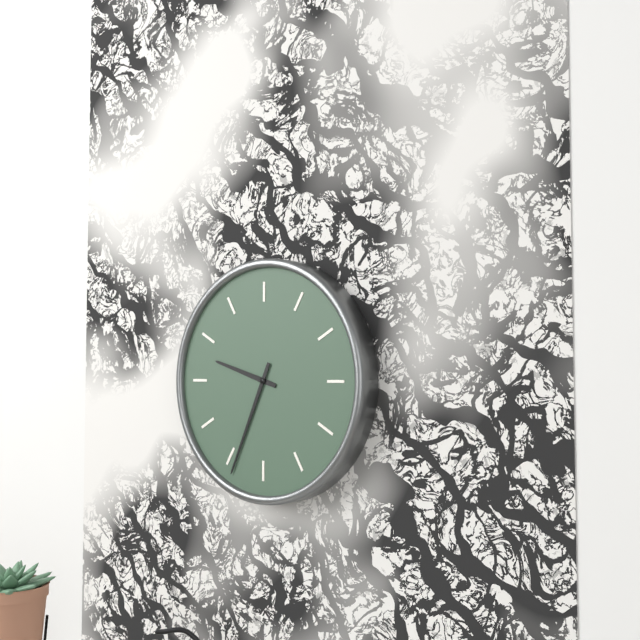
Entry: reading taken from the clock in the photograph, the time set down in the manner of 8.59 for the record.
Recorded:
9.34
